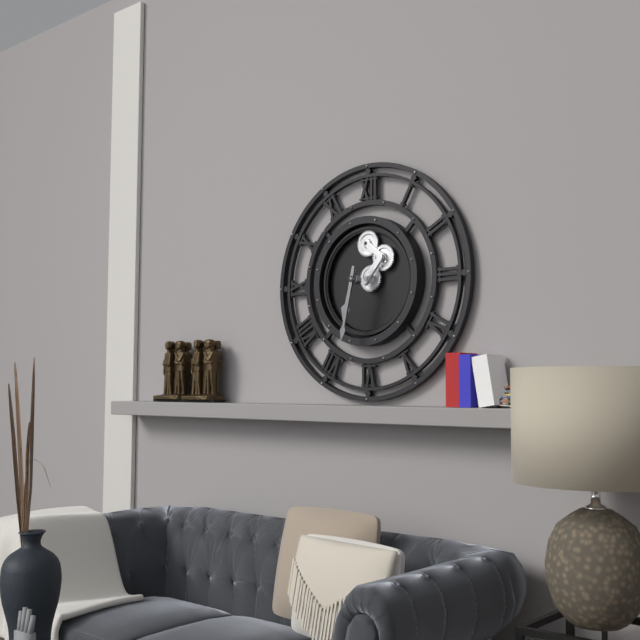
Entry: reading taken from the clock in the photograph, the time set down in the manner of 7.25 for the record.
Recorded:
6.32
